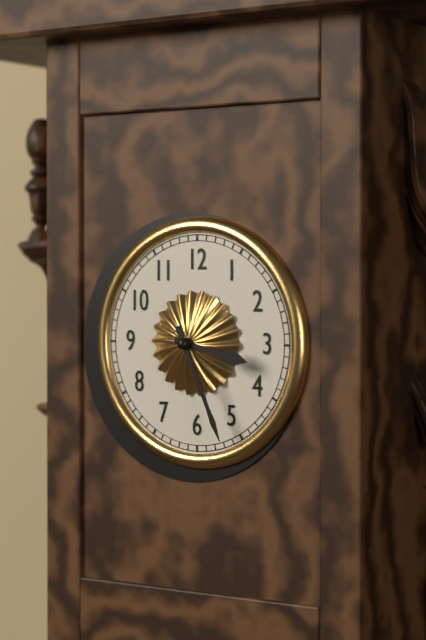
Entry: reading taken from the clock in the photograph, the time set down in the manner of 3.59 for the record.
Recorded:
3.26
